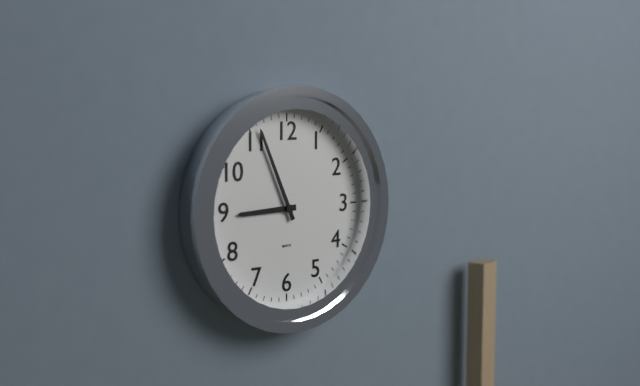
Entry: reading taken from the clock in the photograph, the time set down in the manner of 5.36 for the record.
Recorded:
8.56
